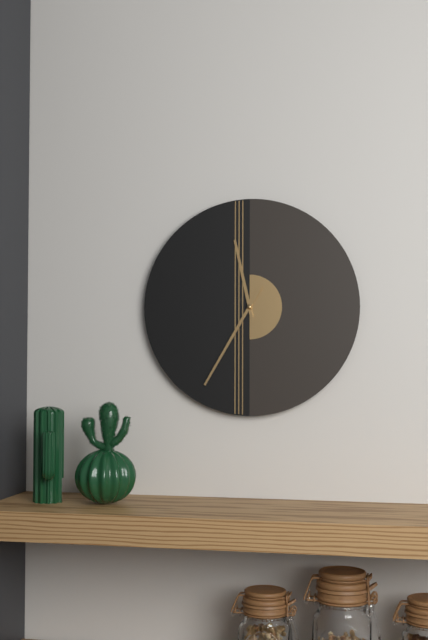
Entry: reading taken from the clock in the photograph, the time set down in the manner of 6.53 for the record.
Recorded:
11.35
